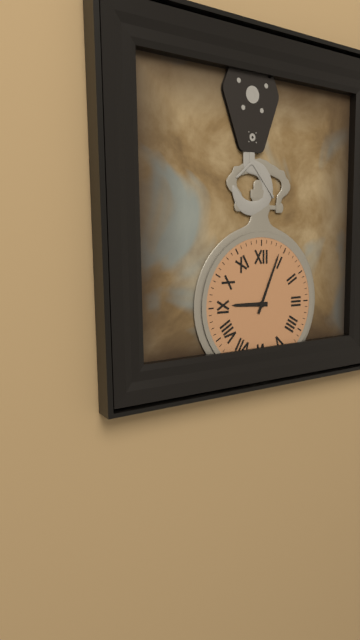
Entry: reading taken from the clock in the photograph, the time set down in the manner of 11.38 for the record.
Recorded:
9.04
